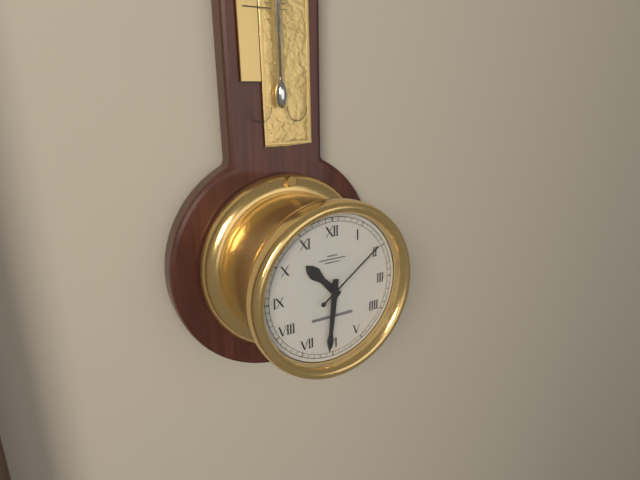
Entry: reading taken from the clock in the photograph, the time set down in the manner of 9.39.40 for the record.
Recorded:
10.31.09
